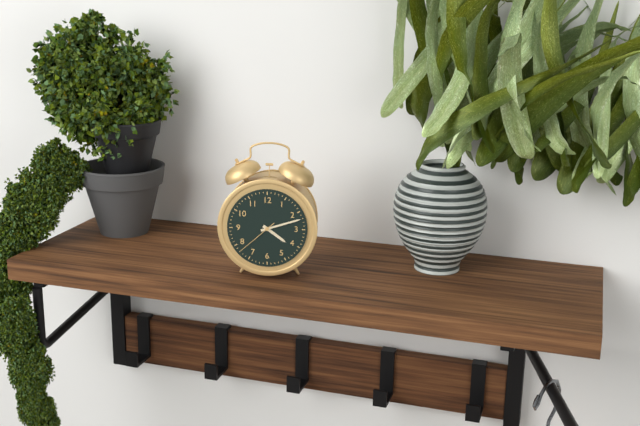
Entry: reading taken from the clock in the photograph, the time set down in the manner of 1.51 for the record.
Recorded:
4.12
